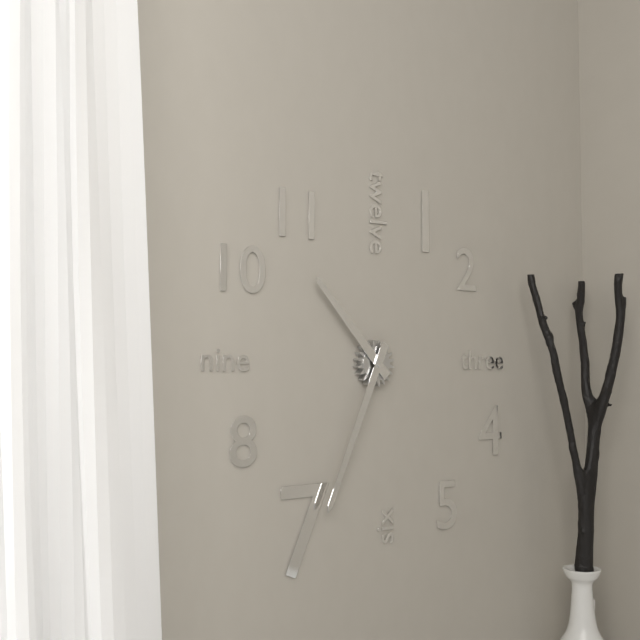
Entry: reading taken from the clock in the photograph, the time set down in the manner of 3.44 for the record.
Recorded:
10.34
